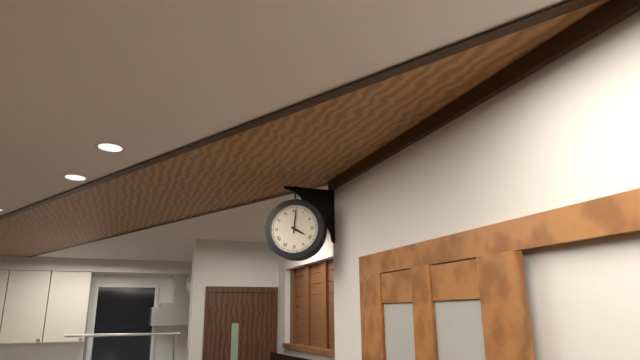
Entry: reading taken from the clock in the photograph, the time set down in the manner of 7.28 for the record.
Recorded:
4.01
